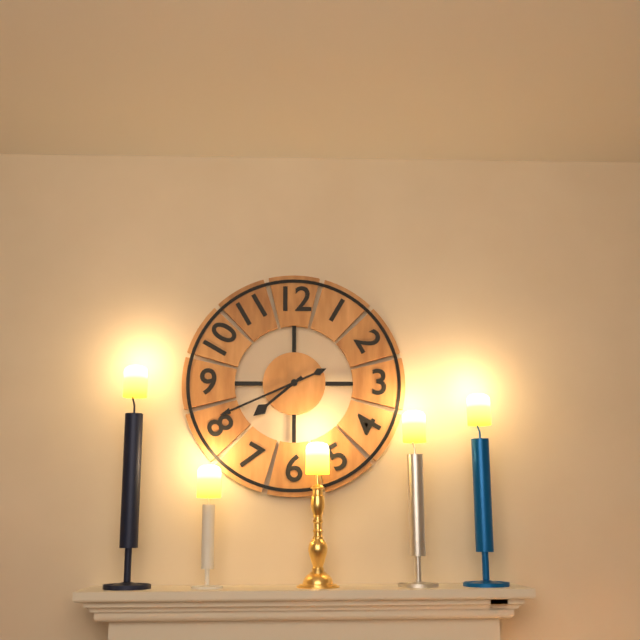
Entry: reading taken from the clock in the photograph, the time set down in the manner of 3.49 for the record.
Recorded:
7.41
